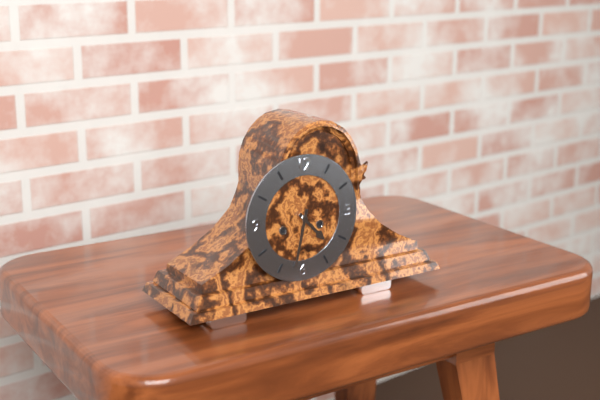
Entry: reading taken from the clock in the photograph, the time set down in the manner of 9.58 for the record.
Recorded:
4.32
